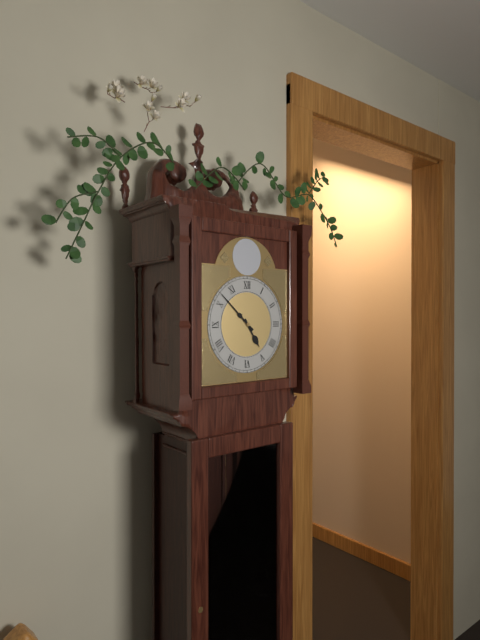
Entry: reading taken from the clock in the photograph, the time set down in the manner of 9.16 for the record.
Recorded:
4.52
